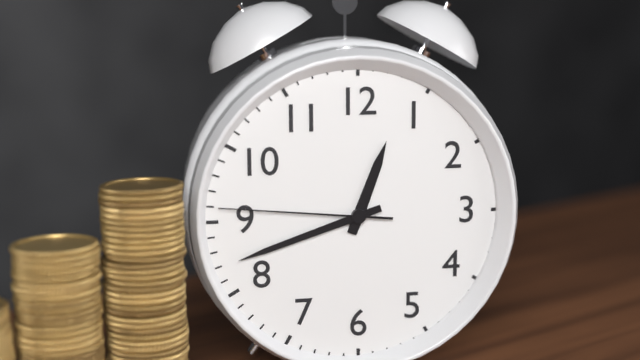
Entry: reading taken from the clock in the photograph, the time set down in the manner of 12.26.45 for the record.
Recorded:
12.42.46
